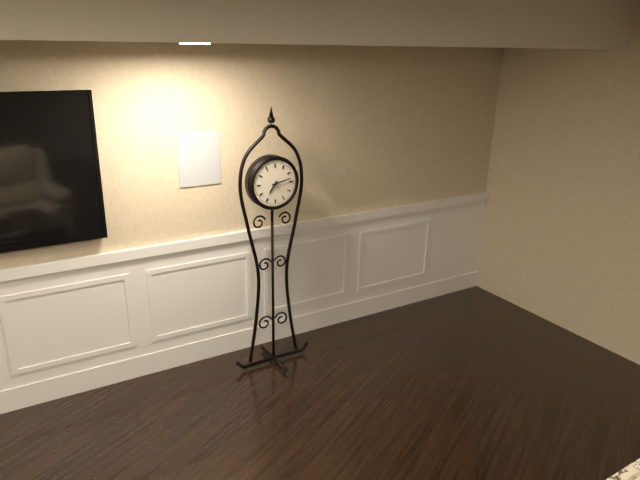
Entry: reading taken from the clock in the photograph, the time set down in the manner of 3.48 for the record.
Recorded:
7.13
